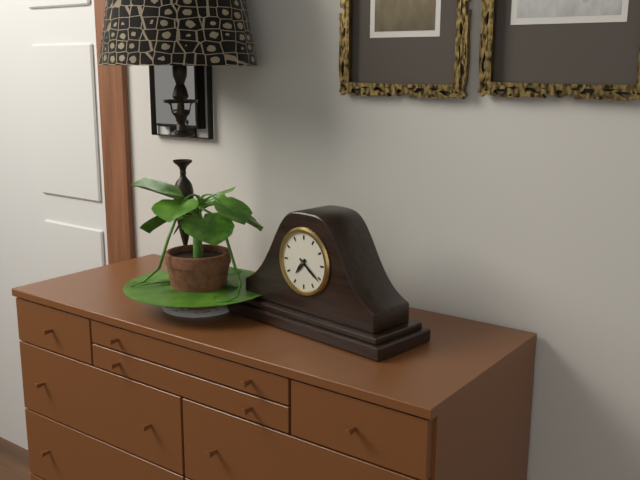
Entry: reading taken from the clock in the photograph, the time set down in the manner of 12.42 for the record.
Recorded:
7.21
